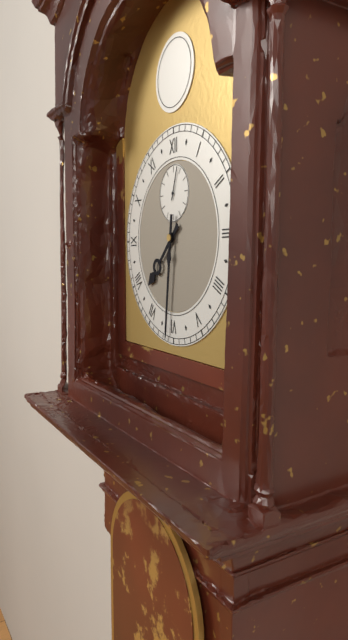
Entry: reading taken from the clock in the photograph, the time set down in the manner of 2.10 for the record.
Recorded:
7.31
